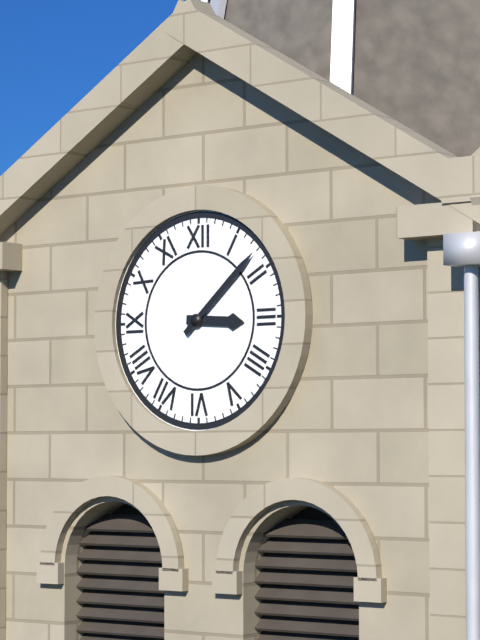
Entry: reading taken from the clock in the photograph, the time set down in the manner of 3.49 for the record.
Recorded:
3.08
